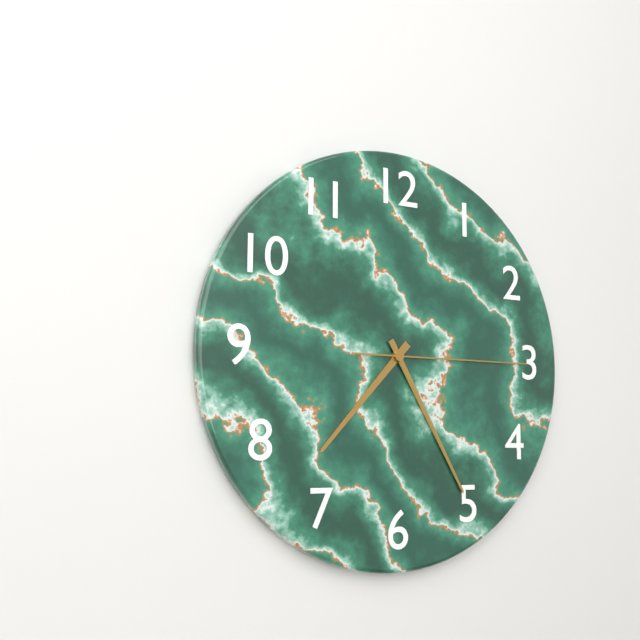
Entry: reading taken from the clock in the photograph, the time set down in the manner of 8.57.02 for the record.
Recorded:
7.25.15
